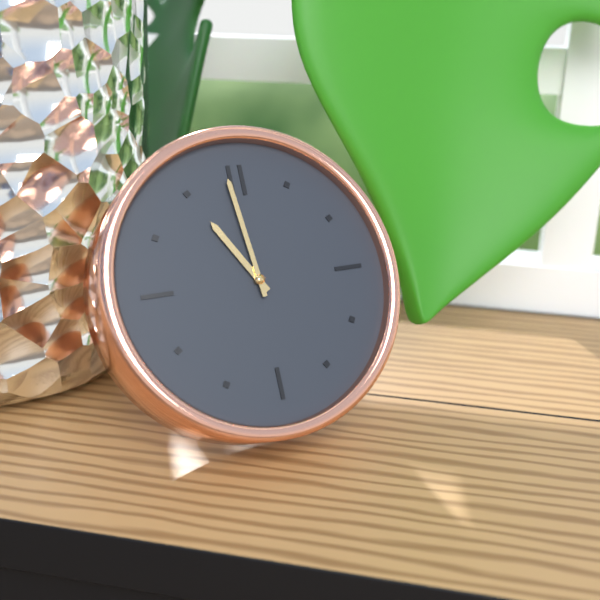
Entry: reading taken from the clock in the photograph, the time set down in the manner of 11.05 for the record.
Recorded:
10.59
